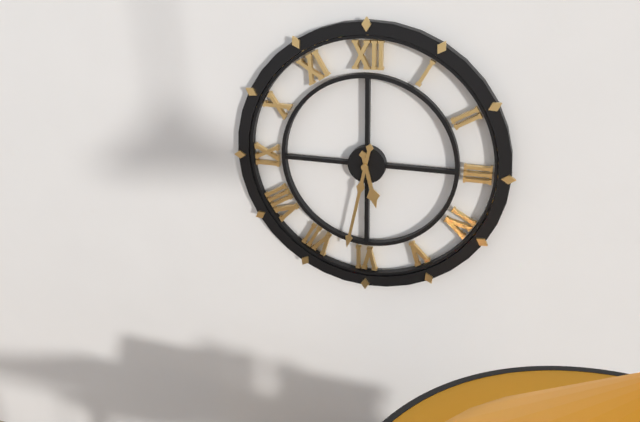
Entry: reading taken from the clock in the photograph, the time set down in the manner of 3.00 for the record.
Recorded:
5.32
